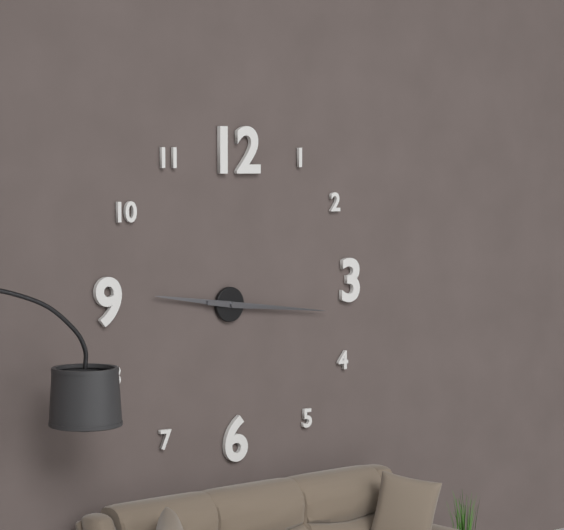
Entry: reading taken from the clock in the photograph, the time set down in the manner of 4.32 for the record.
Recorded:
9.16
